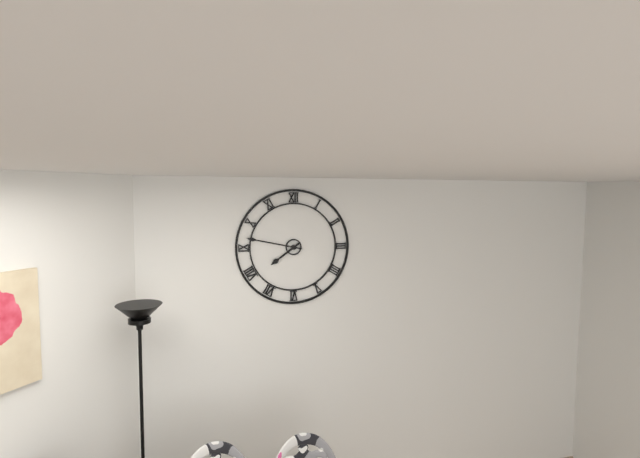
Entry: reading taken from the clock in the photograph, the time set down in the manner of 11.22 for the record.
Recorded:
7.47
